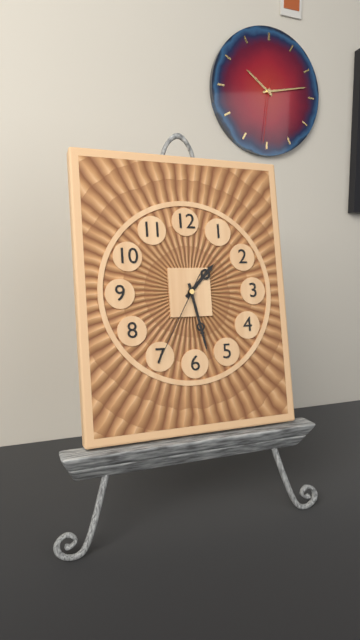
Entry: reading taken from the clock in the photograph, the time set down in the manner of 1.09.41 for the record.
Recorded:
1.28.35
